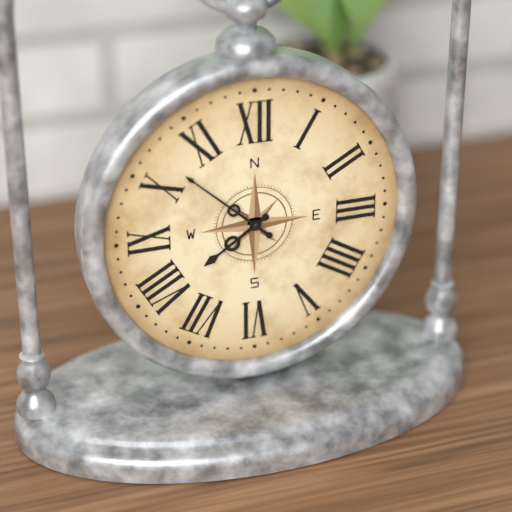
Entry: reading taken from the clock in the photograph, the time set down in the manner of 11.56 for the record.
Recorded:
7.52
